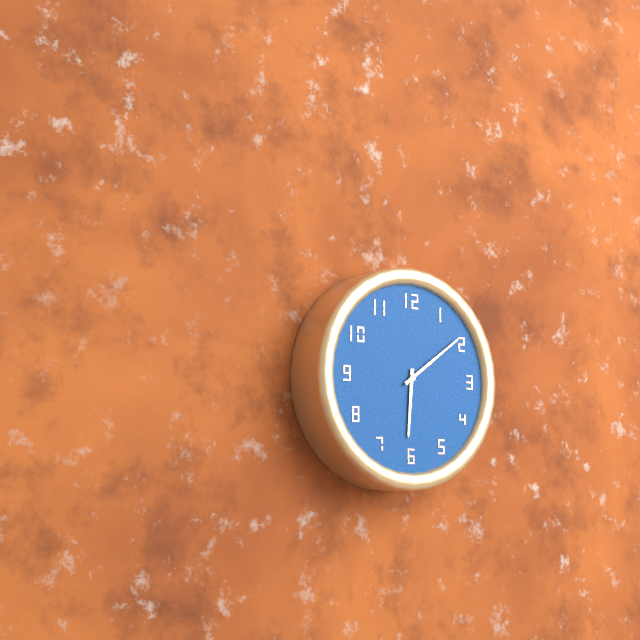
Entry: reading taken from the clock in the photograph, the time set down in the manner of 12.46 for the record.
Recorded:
6.09
